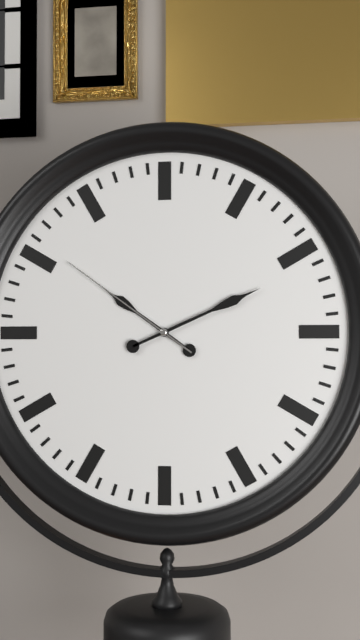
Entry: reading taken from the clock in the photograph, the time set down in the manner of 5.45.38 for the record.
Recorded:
10.11.51
